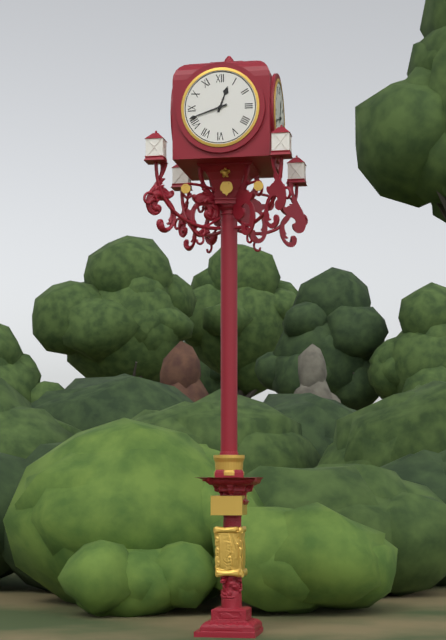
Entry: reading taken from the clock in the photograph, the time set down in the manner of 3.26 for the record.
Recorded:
12.42
